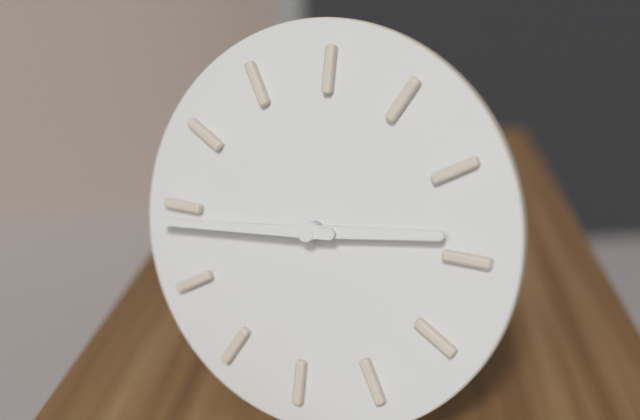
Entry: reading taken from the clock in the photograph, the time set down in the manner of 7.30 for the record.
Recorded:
2.44
